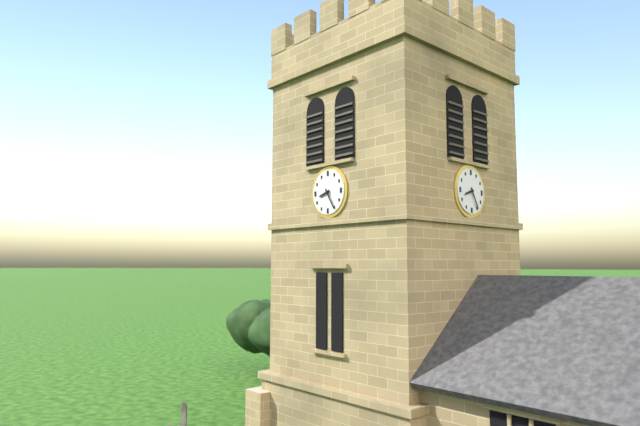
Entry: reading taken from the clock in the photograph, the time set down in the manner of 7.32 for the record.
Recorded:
8.25
